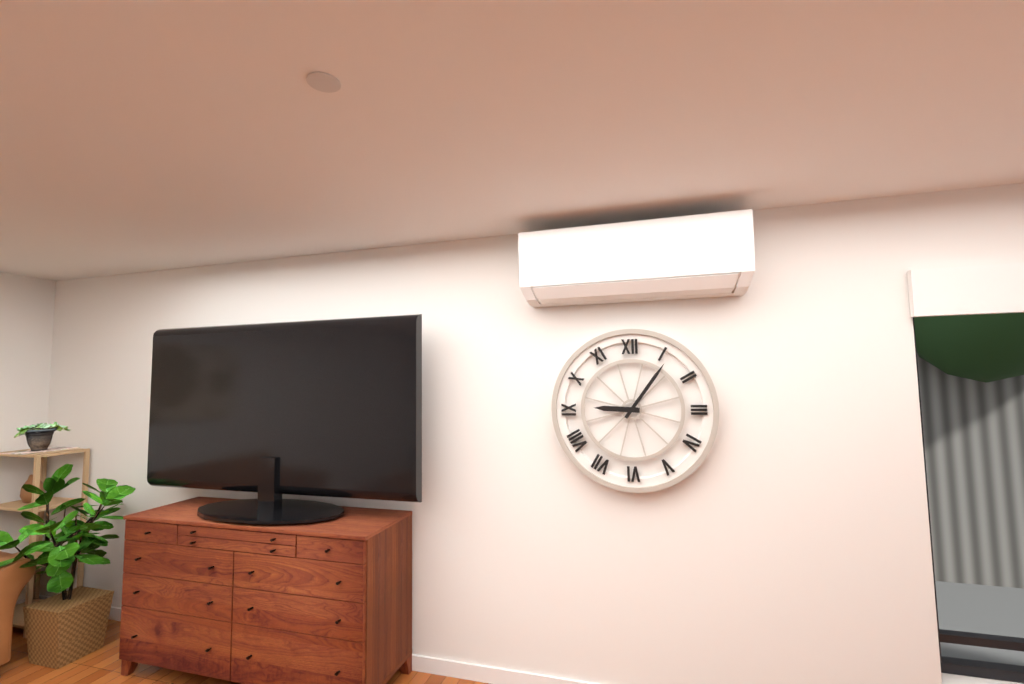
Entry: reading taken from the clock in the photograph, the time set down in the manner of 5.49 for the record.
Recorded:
9.06
